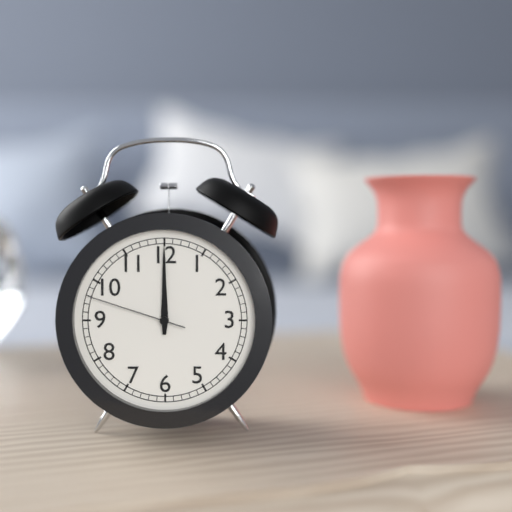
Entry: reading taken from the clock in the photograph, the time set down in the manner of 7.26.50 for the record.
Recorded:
12.00.48
